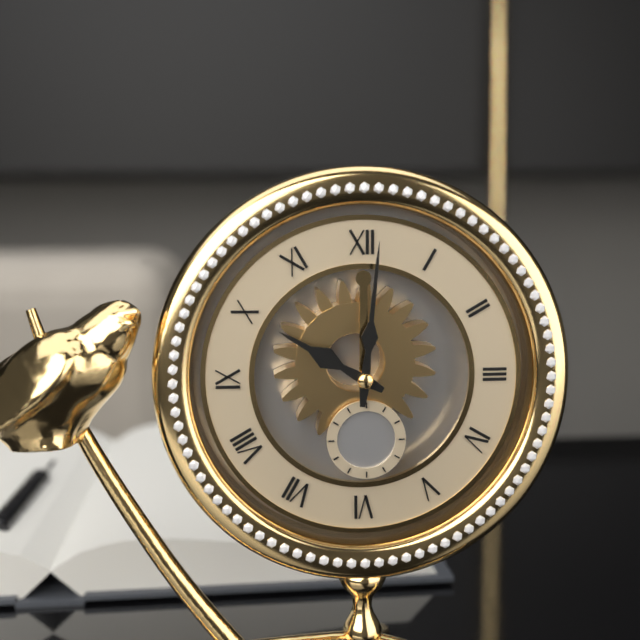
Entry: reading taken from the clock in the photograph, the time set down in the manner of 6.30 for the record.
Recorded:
10.01
